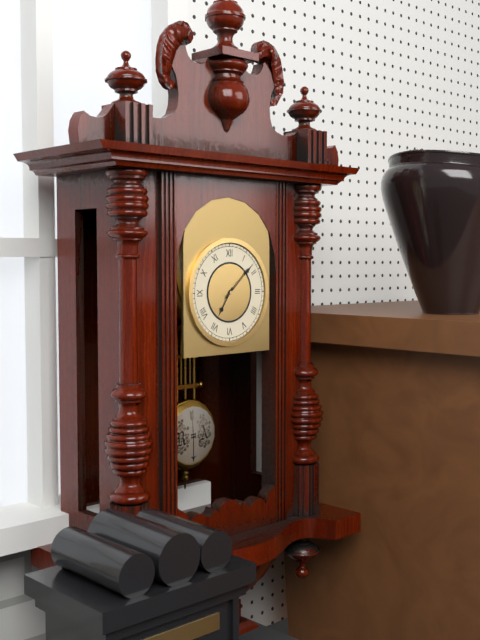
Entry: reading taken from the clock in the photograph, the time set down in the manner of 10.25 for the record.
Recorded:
7.08
